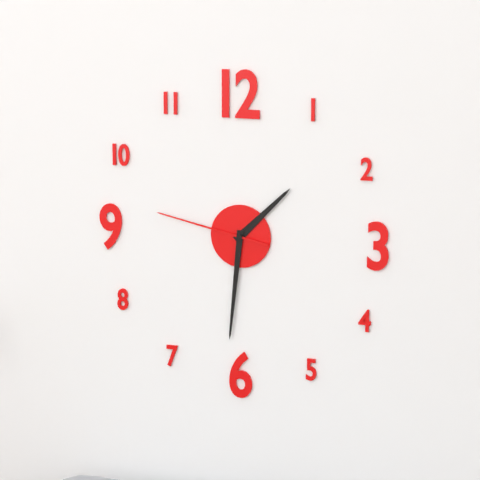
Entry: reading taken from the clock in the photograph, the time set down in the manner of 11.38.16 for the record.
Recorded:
1.31.47
